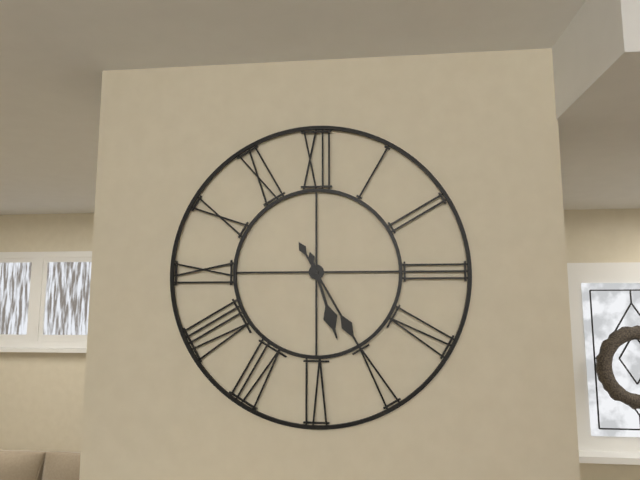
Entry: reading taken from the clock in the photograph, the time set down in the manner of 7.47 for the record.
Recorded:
5.25
